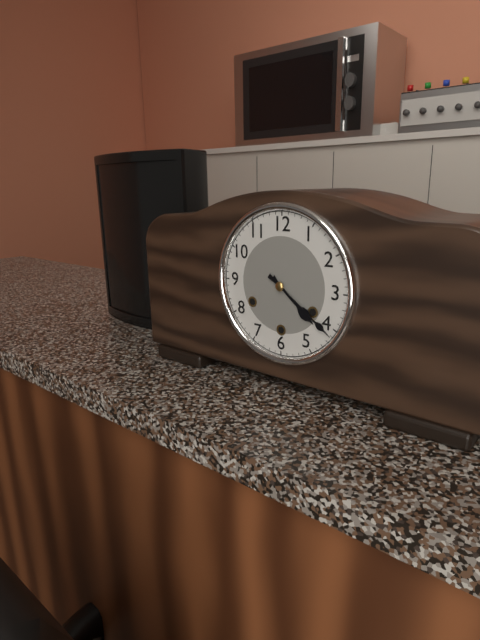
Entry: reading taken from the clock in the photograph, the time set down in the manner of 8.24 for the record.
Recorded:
4.21
